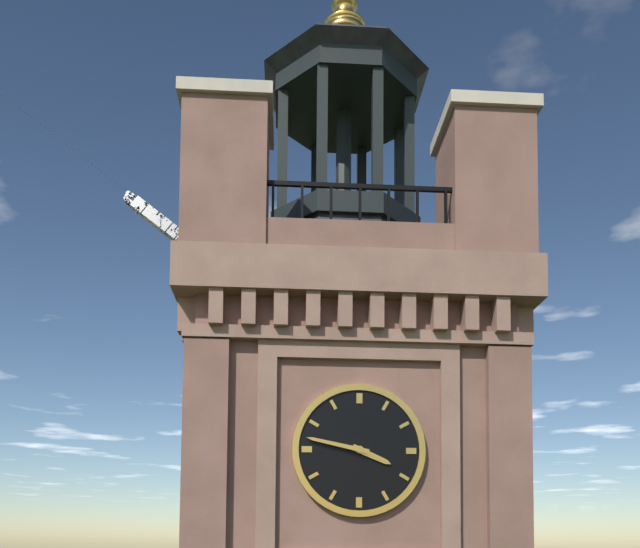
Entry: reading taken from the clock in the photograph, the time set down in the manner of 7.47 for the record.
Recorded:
3.47
